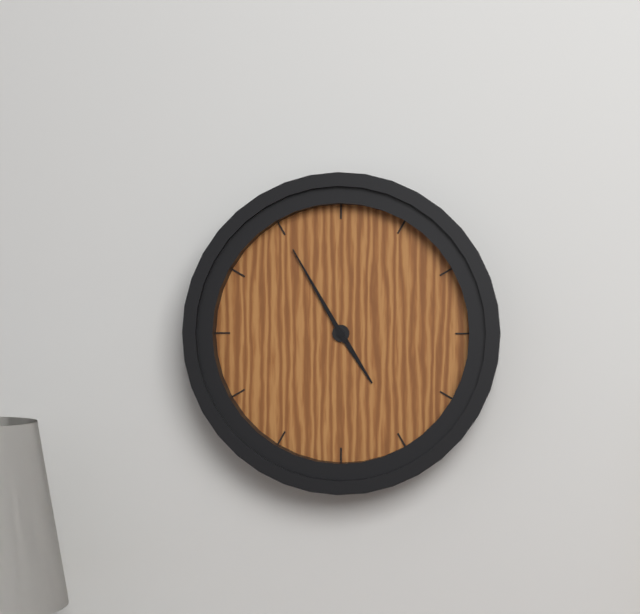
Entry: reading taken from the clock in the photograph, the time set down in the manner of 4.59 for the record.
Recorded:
4.55
